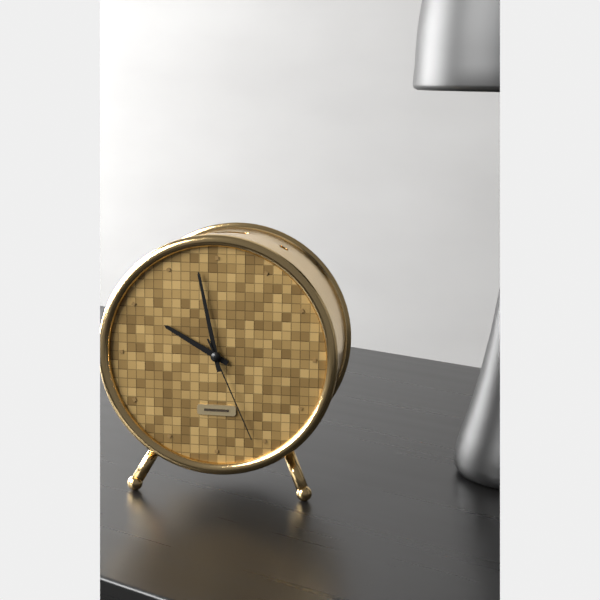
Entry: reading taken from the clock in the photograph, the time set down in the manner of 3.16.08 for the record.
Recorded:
9.58.26
